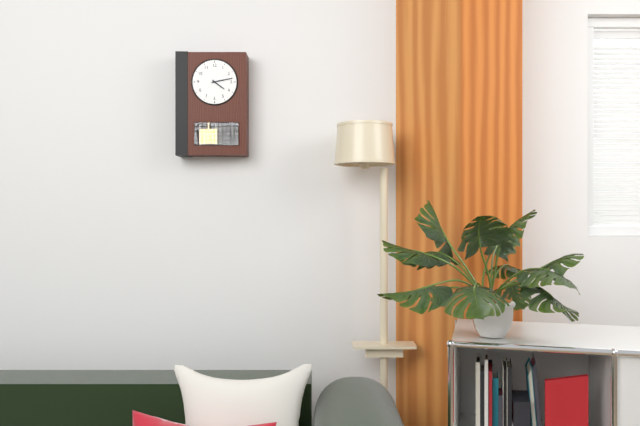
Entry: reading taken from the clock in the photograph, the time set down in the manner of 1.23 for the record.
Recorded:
4.13
